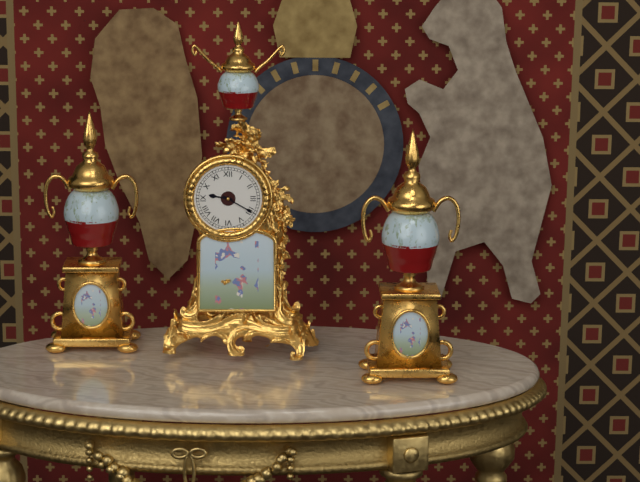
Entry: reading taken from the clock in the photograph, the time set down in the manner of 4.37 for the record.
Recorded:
9.20
